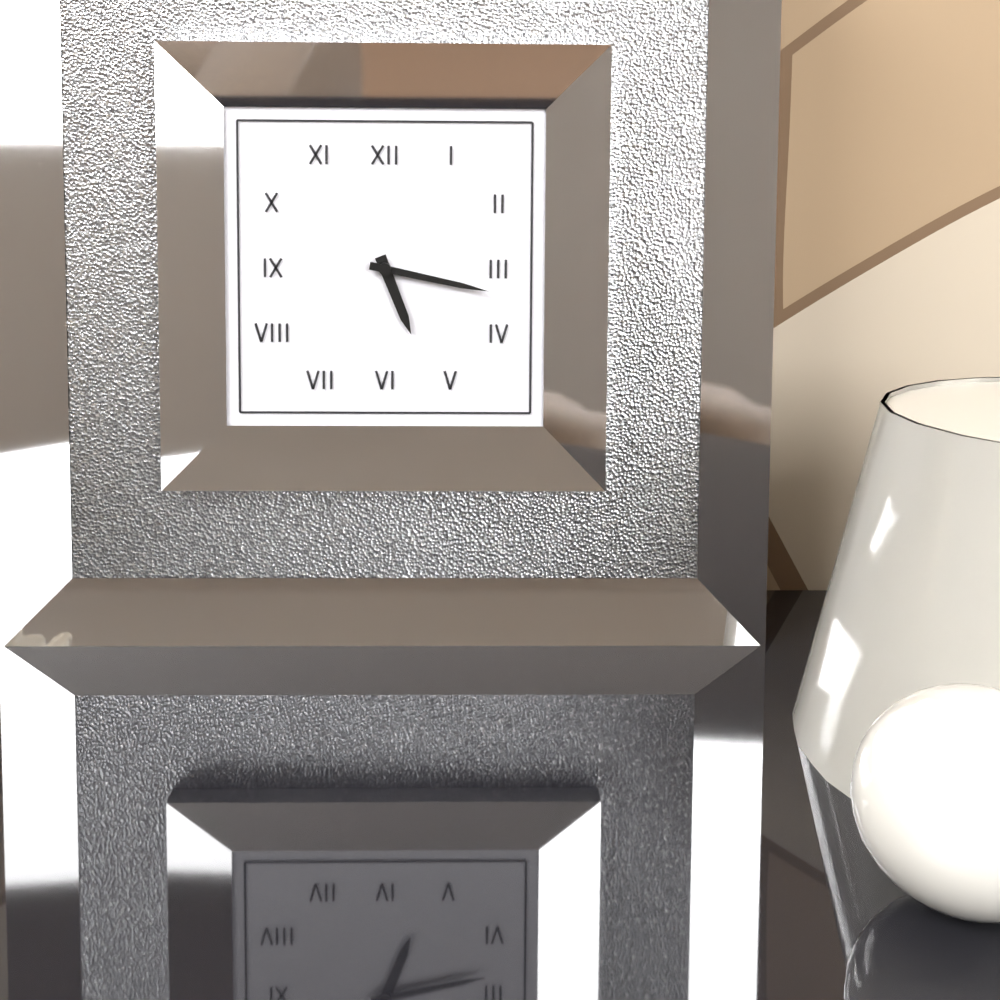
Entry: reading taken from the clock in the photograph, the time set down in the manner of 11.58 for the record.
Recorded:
5.17
